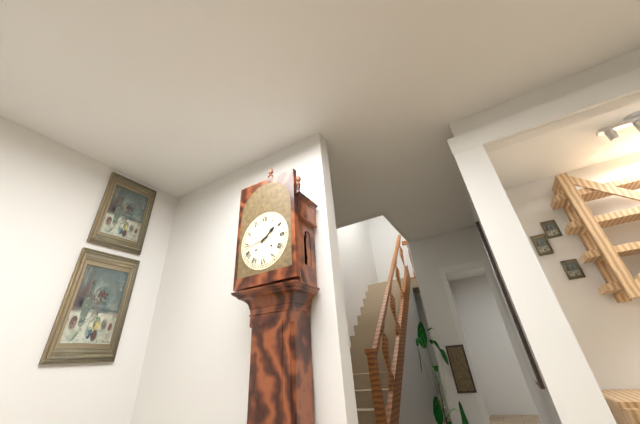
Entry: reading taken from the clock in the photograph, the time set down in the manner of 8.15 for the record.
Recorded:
1.43
